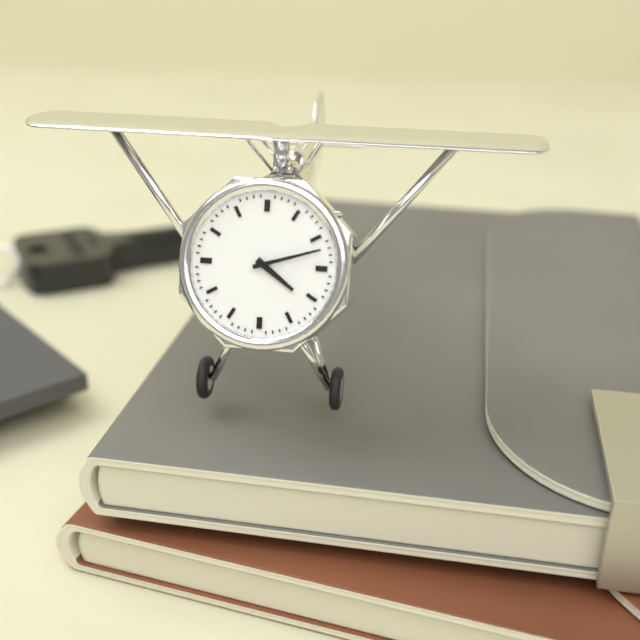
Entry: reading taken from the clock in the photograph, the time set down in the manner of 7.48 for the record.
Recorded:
4.12
